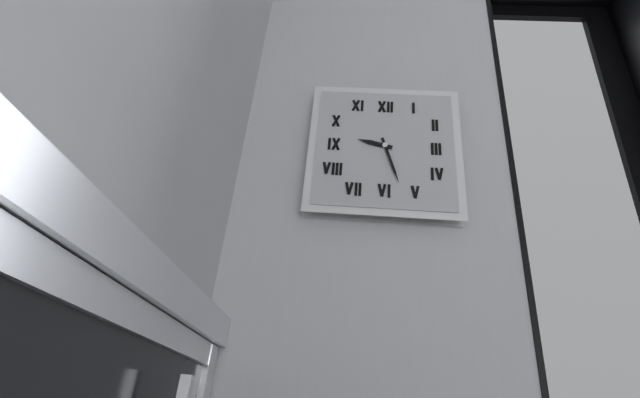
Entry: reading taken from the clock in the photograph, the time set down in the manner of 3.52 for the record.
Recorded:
9.27
